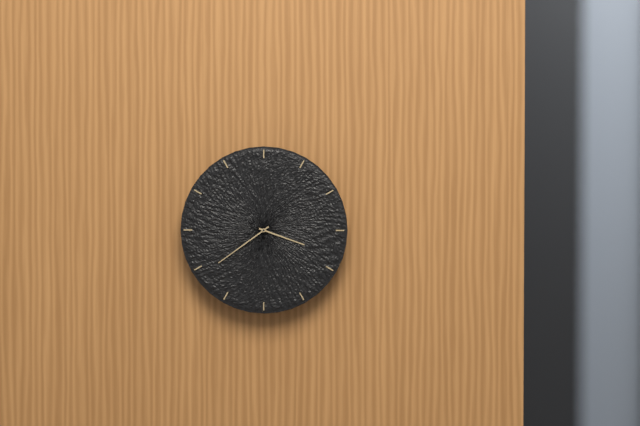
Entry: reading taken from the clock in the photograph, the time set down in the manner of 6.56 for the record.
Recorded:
3.39
